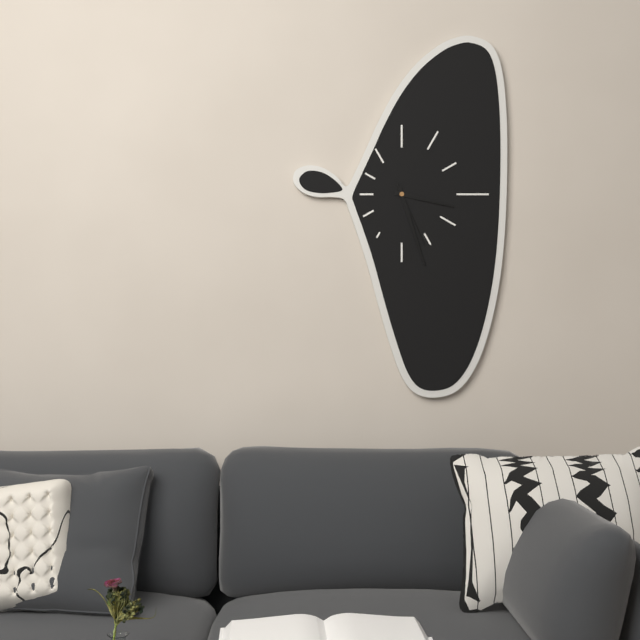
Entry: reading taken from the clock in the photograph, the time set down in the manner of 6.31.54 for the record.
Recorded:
3.27.26
